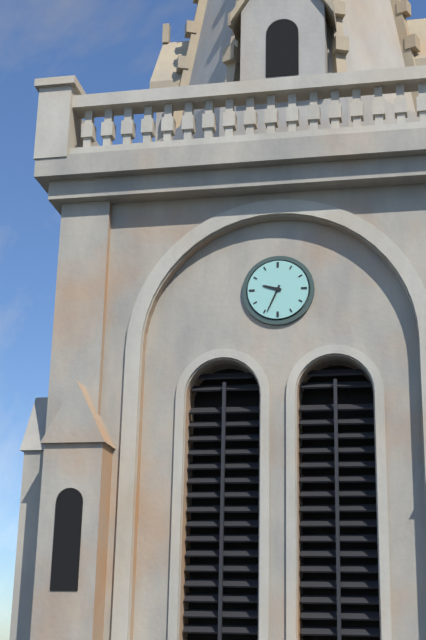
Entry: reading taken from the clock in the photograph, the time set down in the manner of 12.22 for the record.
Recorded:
9.34
